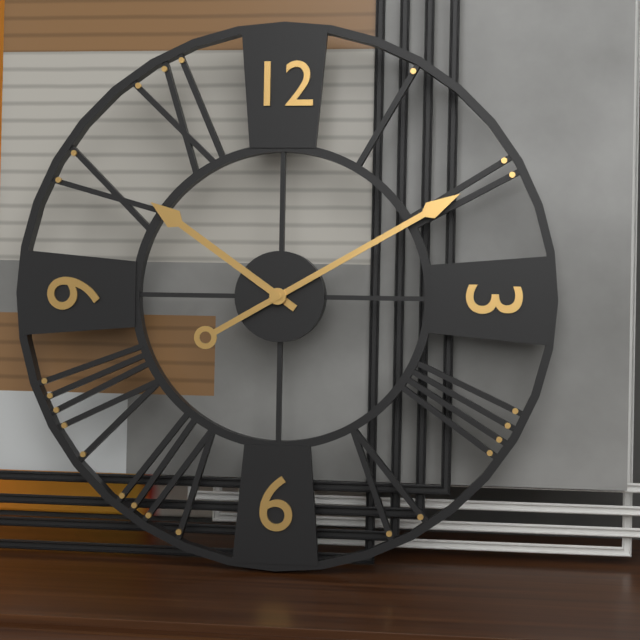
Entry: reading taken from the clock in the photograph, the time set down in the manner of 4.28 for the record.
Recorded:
10.10
